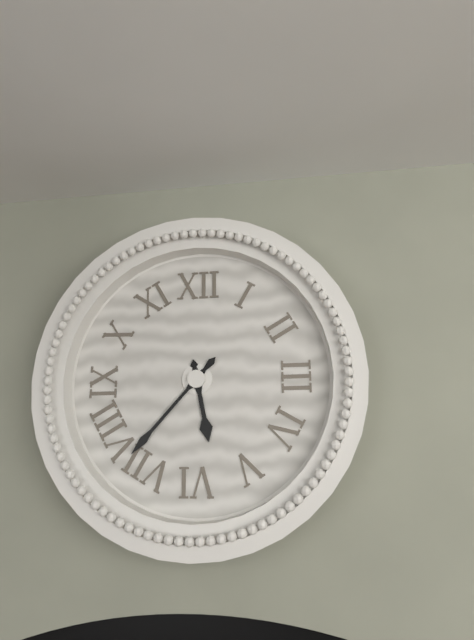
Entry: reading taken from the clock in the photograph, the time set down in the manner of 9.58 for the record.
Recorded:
5.37
